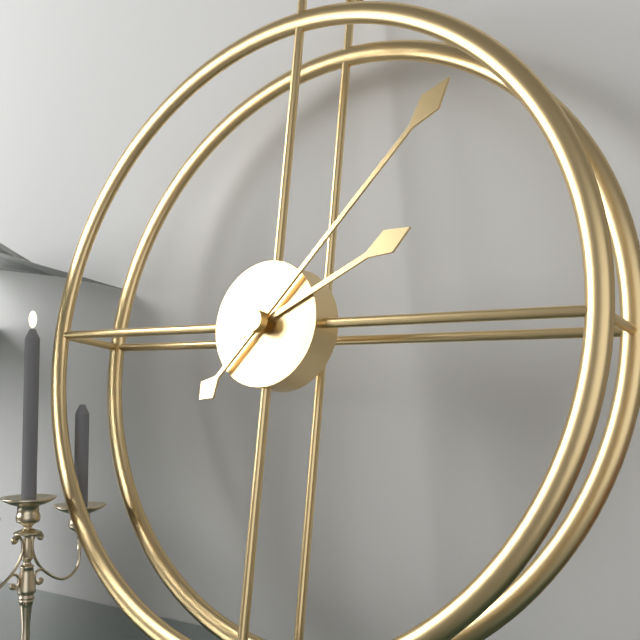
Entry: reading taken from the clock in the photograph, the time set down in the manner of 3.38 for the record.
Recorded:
2.07
